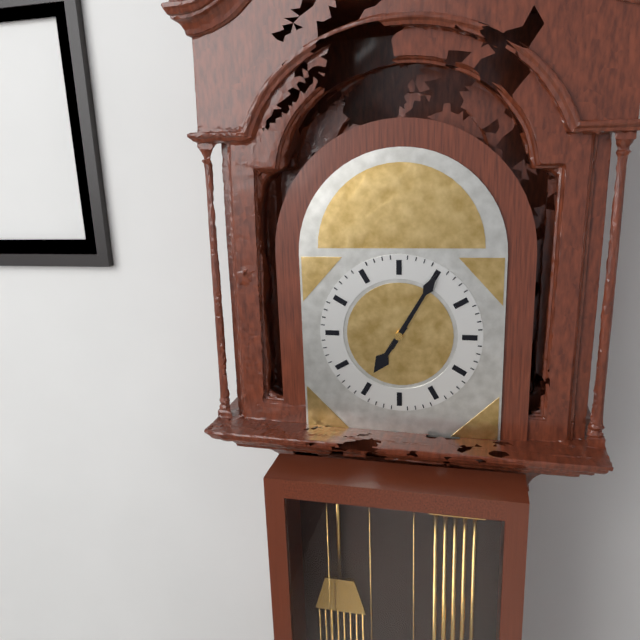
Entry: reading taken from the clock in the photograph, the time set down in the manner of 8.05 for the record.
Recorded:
7.05
